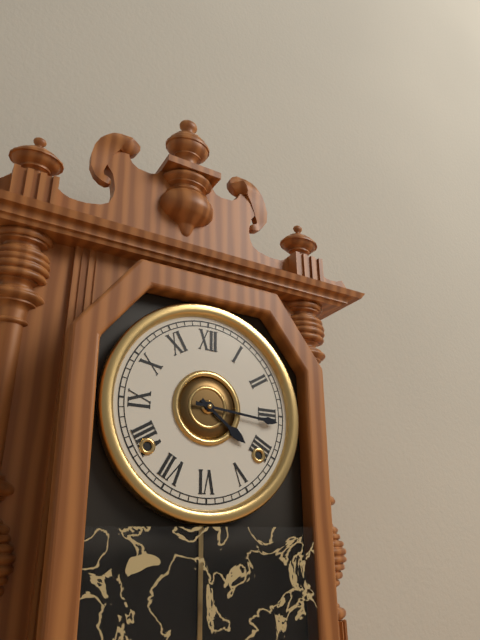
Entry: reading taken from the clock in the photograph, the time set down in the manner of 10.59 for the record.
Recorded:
4.16
